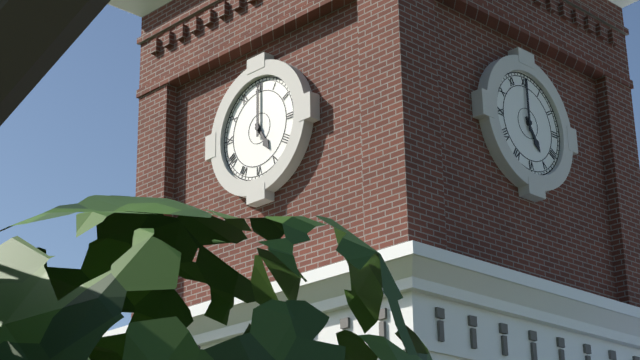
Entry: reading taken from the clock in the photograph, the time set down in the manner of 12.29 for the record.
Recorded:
5.00
